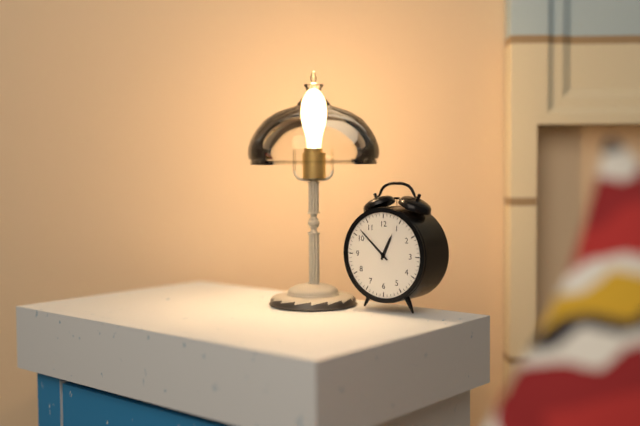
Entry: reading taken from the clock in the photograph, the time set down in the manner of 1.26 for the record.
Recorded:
12.52
